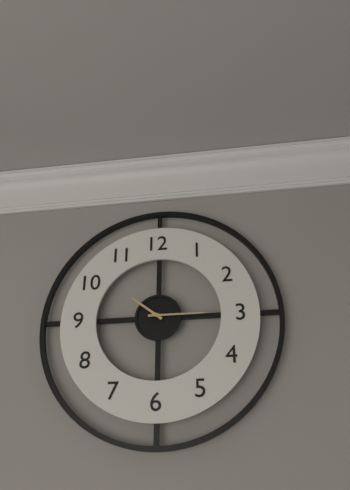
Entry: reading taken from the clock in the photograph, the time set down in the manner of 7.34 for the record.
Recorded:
10.15
